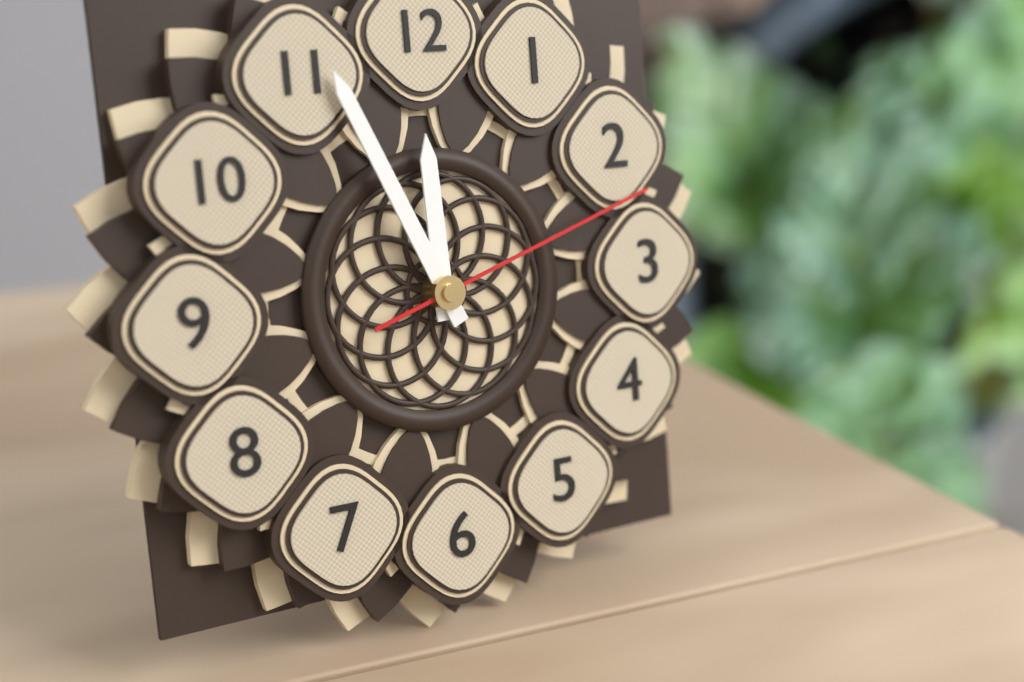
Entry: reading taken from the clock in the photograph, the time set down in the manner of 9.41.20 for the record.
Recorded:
11.56.12
